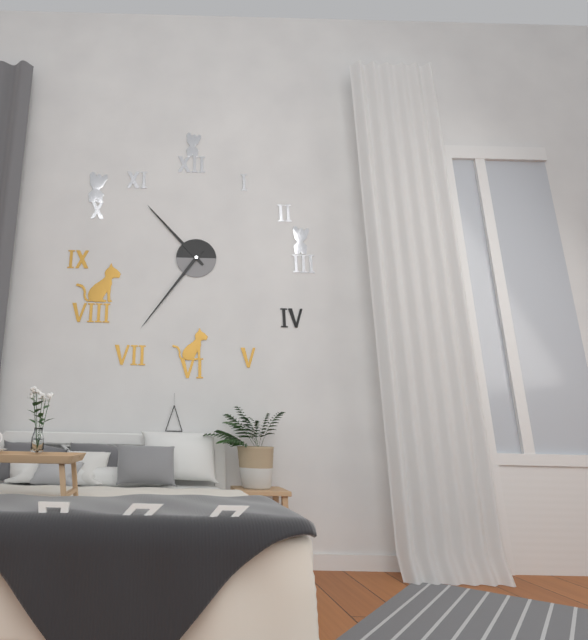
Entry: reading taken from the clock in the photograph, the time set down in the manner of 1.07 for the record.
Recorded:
10.36
